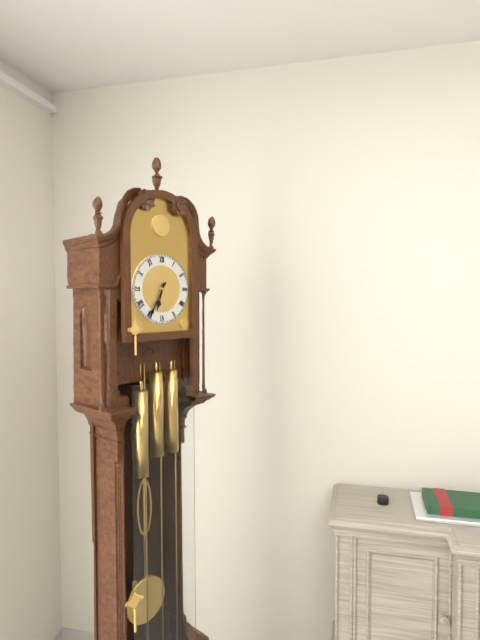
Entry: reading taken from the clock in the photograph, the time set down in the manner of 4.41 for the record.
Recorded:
6.35
